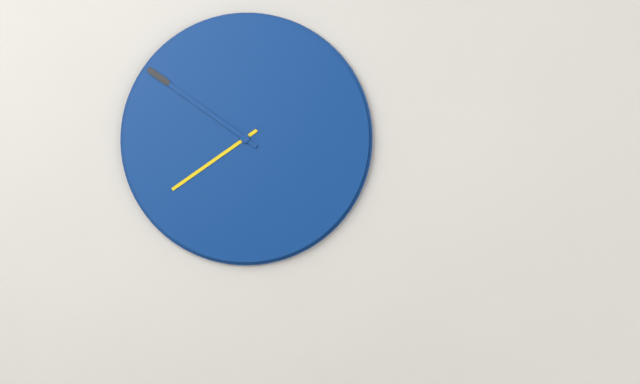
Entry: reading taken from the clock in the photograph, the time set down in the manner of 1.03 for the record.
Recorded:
7.51
